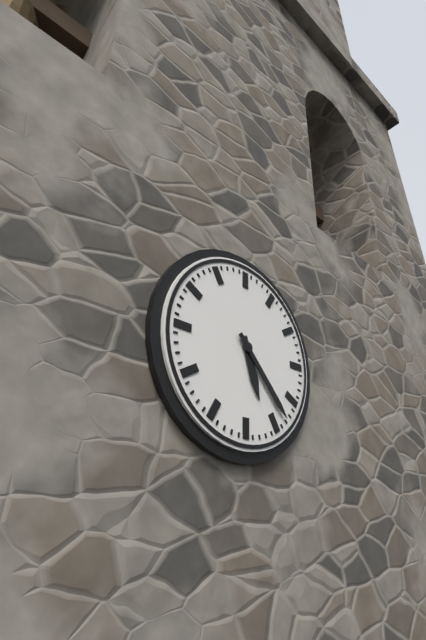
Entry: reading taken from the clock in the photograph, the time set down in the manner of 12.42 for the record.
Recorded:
5.23
